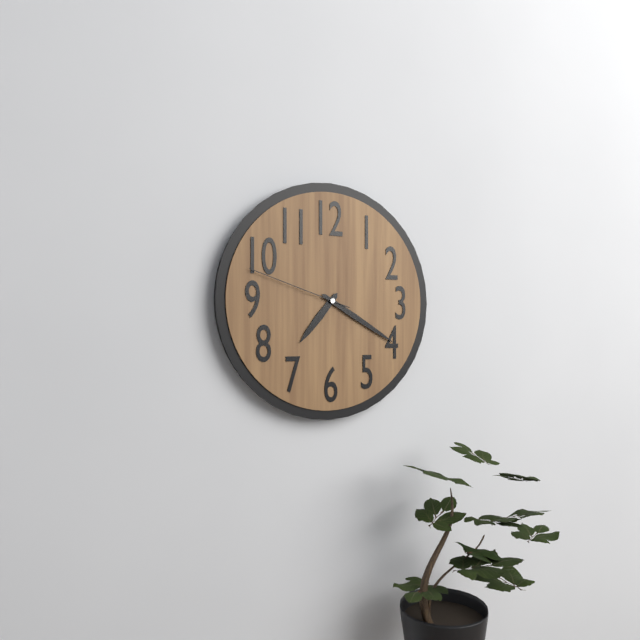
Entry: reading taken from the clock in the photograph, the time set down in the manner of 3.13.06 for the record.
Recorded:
7.20.48
